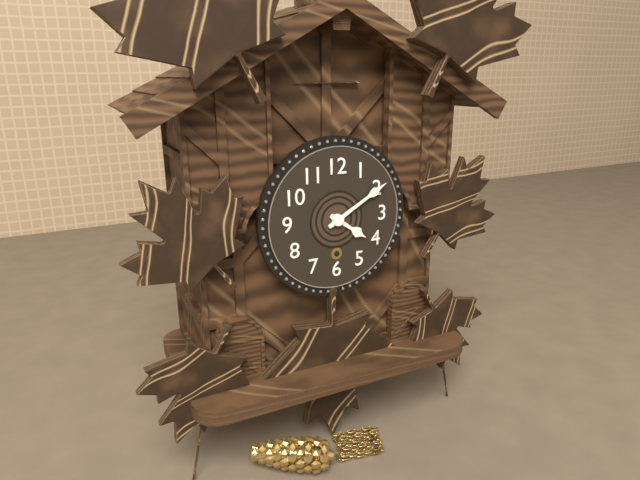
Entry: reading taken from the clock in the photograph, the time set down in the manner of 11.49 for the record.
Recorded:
4.10
